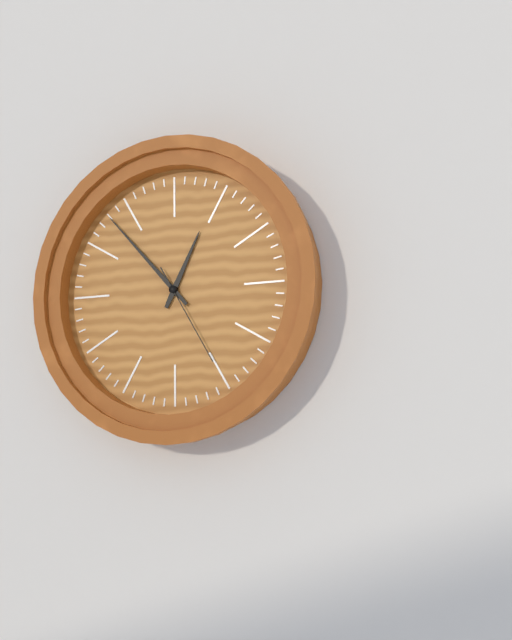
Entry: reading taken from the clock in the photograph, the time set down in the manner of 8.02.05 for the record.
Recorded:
12.53.25
